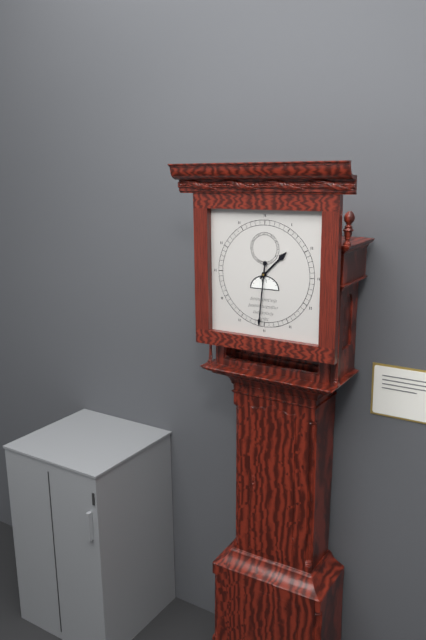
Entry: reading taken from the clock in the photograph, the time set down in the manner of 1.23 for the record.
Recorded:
1.31
